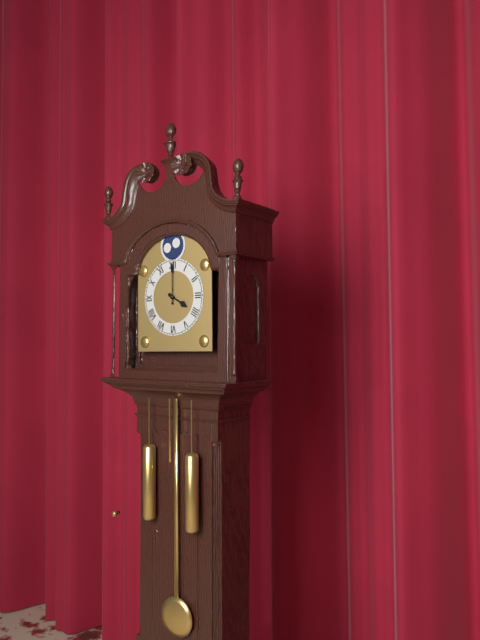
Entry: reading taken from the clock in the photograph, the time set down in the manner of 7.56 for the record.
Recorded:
4.00
